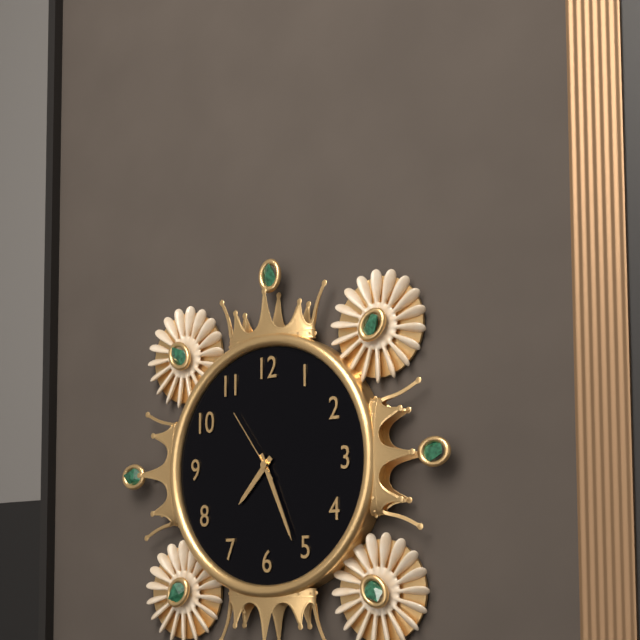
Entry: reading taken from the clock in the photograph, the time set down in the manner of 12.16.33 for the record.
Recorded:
7.26.54
